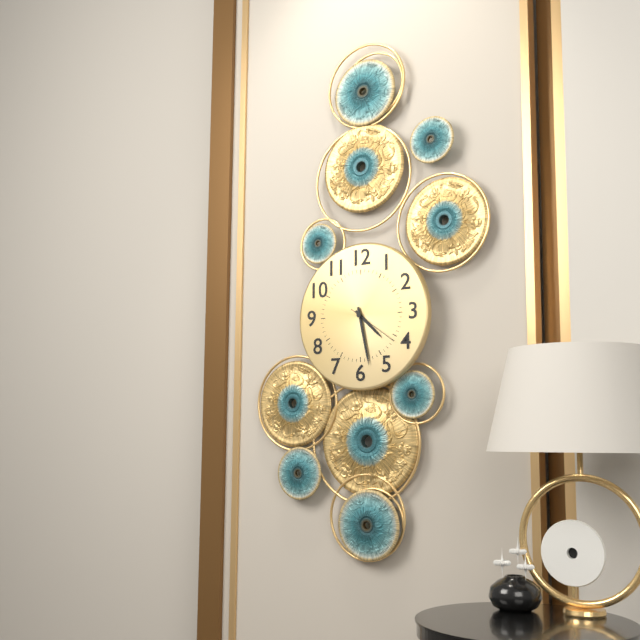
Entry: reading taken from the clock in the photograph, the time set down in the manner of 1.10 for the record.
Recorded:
4.28
